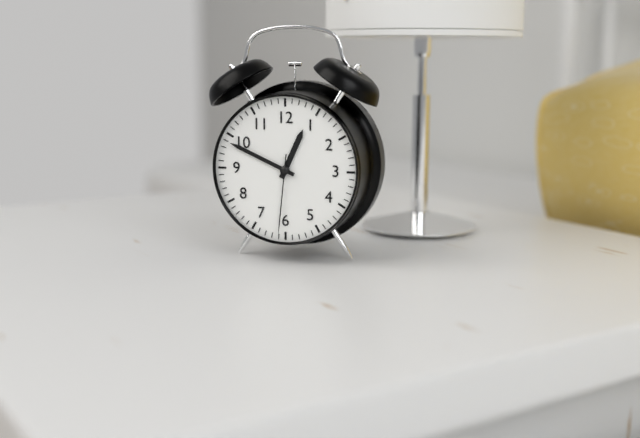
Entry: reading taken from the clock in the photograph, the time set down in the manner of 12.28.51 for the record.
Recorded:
12.49.31
